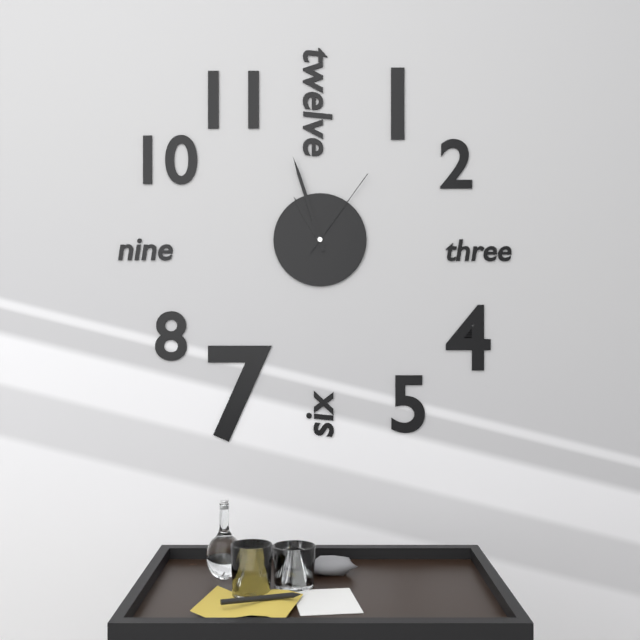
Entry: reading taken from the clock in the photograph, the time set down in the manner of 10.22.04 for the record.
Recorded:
10.57.06
